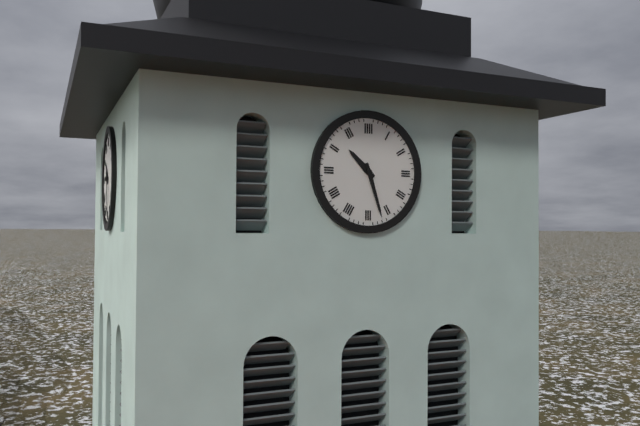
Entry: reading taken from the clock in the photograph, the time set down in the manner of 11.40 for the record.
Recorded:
10.27
